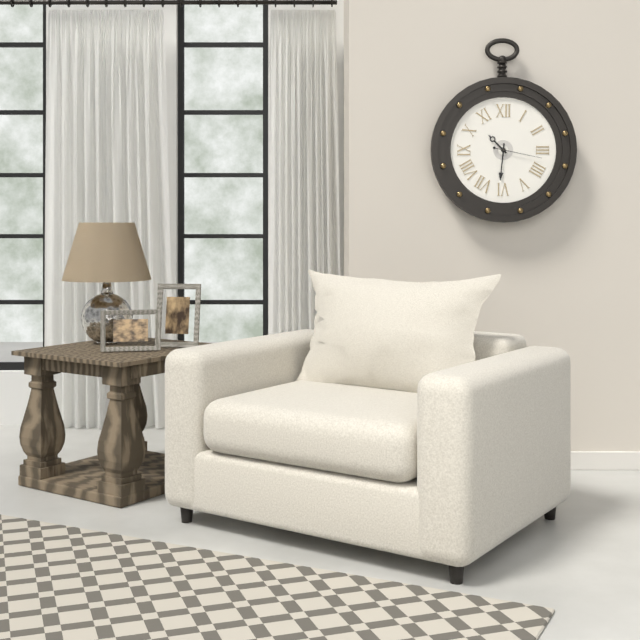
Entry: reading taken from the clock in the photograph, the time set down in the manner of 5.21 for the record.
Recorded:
10.31
